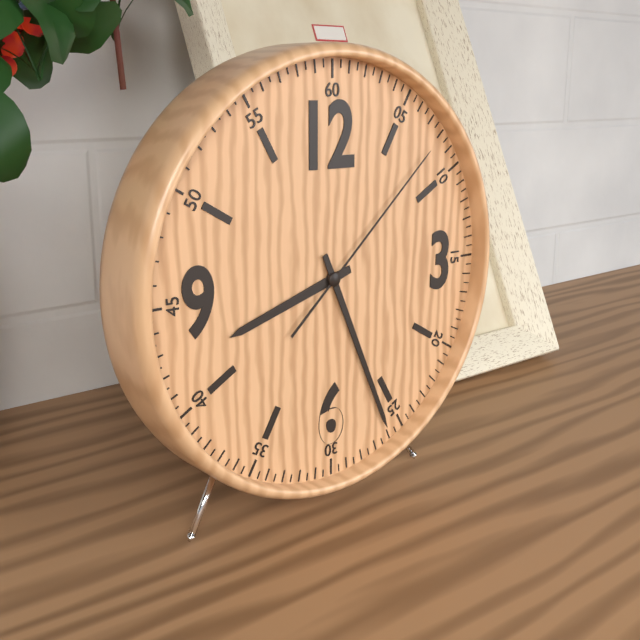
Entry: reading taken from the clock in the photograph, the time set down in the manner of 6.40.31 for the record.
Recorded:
8.26.08
